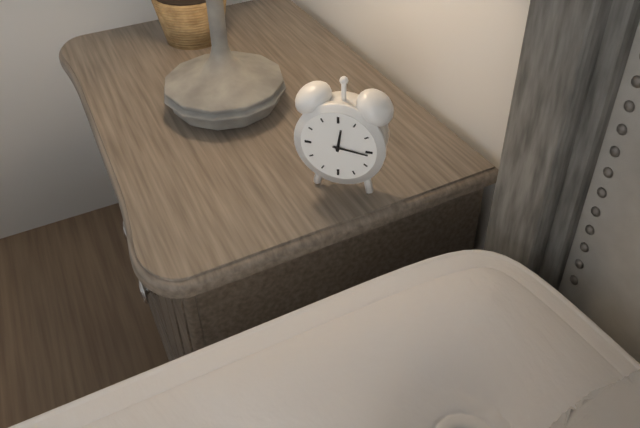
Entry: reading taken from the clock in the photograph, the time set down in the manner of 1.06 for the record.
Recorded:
12.16
